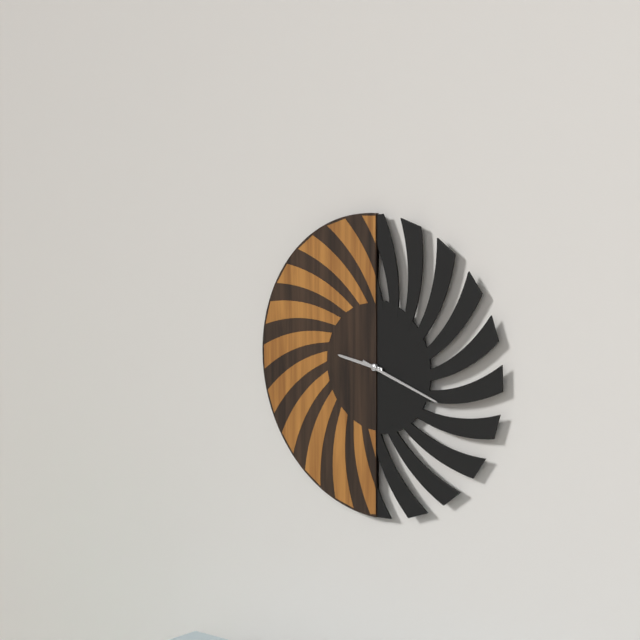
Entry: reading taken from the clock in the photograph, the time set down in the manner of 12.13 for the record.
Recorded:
9.18
